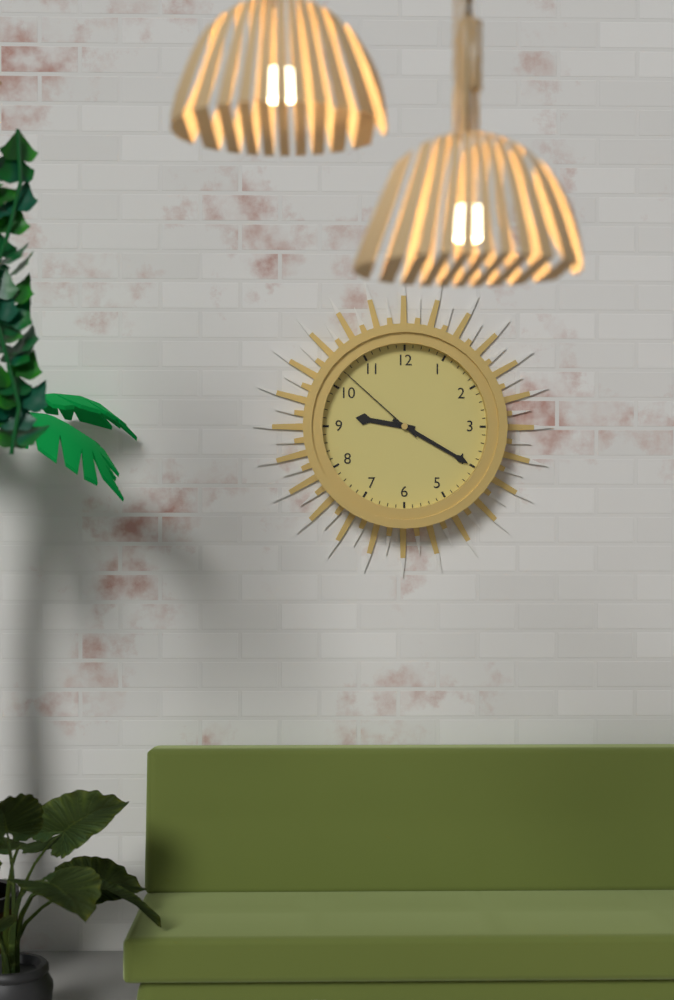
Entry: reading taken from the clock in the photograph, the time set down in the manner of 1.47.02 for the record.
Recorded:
9.20.52
